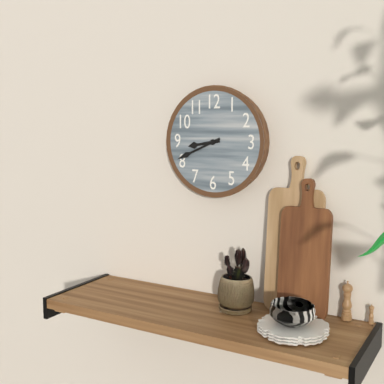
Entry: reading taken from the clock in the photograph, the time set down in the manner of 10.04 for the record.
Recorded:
8.41
